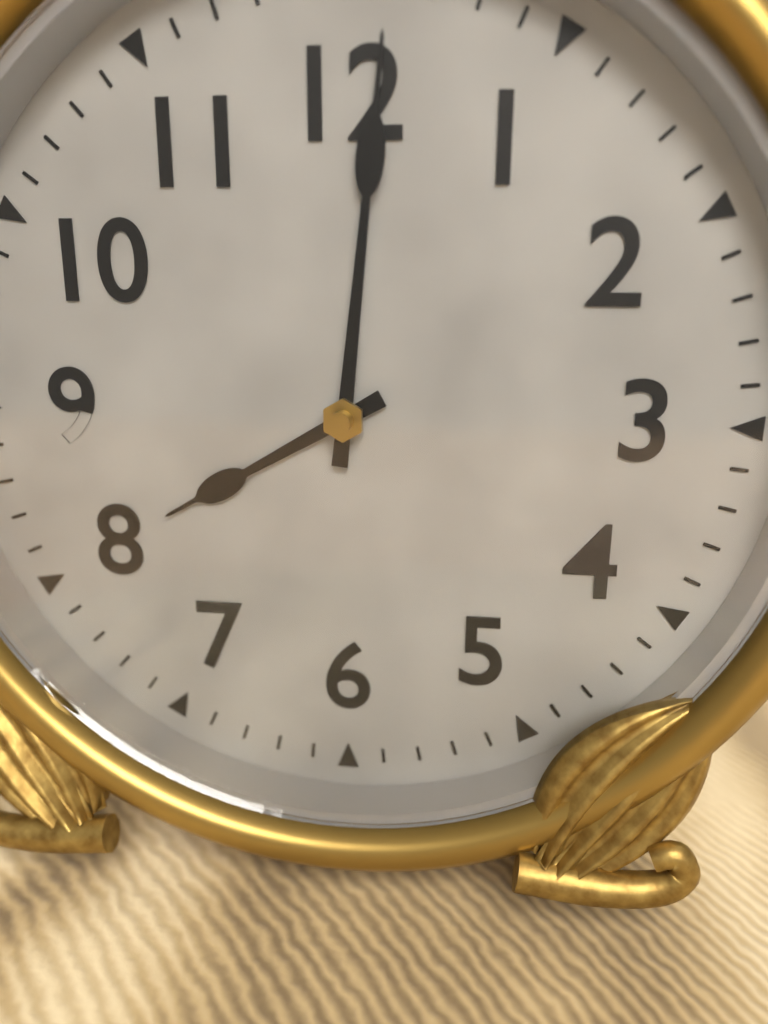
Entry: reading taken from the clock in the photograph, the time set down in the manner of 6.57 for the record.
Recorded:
8.01
